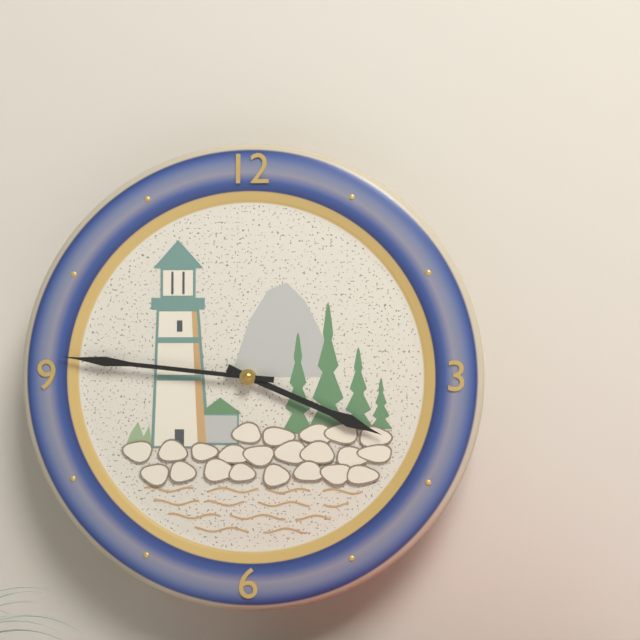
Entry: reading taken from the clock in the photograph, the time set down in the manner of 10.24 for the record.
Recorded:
3.46
